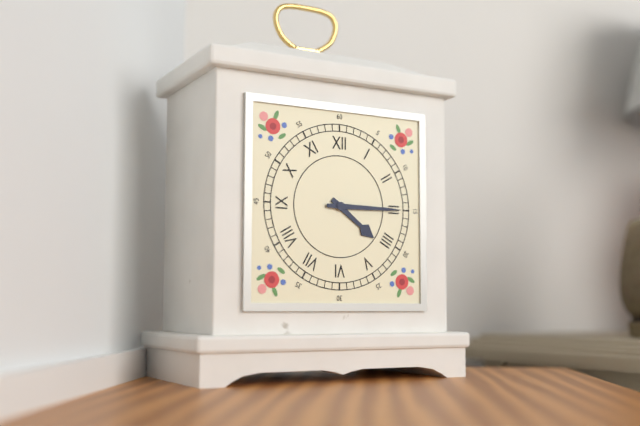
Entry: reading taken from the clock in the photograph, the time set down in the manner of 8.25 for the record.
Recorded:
4.15
